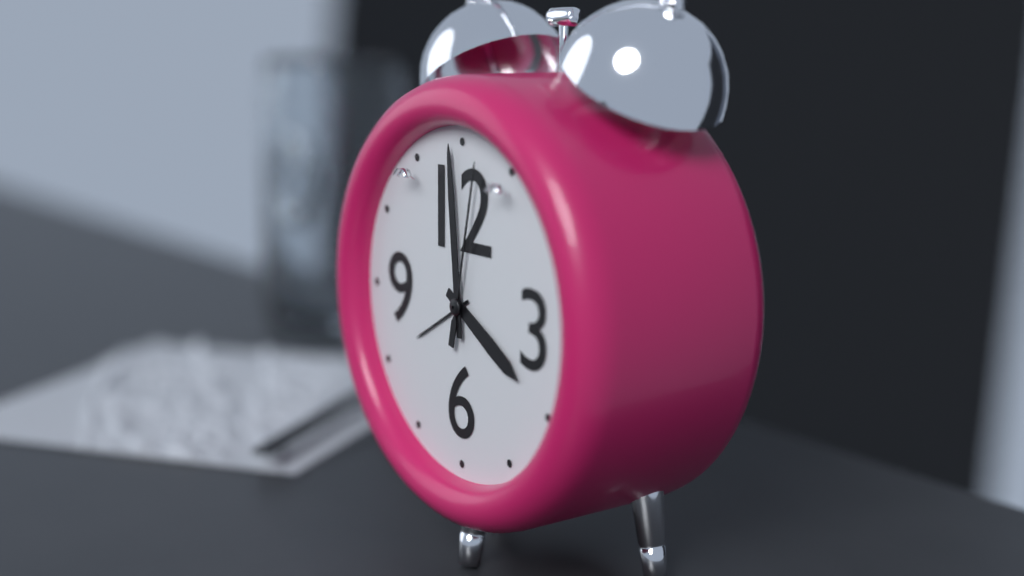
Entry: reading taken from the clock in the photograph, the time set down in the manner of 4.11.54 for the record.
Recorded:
3.59.02
